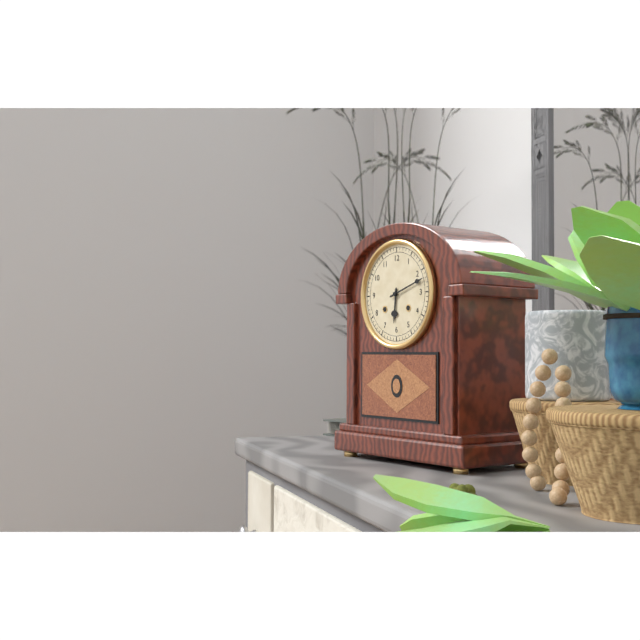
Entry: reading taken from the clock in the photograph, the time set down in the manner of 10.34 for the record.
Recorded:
6.12
